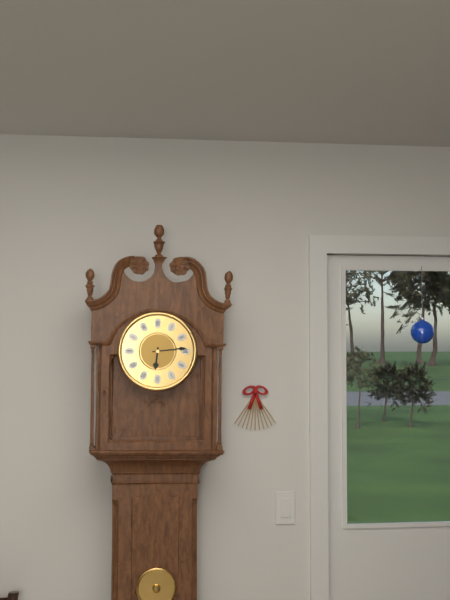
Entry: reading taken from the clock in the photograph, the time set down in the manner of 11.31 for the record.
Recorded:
6.14
